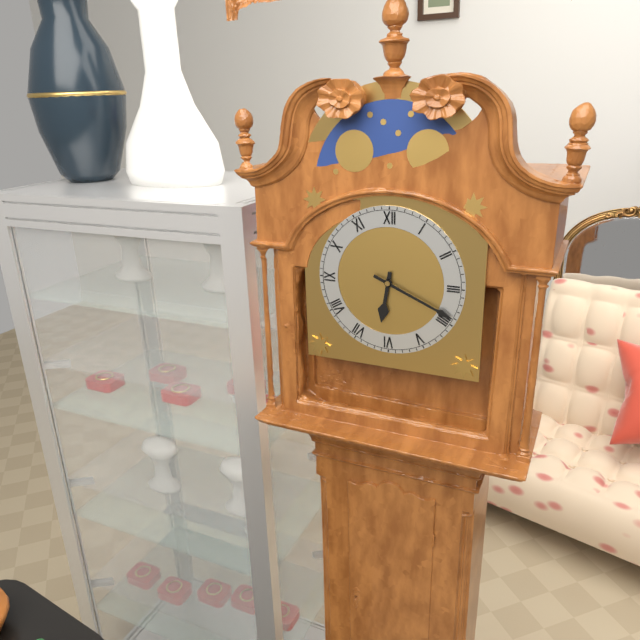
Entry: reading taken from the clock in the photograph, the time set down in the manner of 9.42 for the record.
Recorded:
6.19
